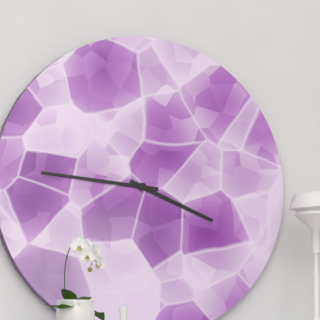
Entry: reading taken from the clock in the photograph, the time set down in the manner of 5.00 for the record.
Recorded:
3.46
